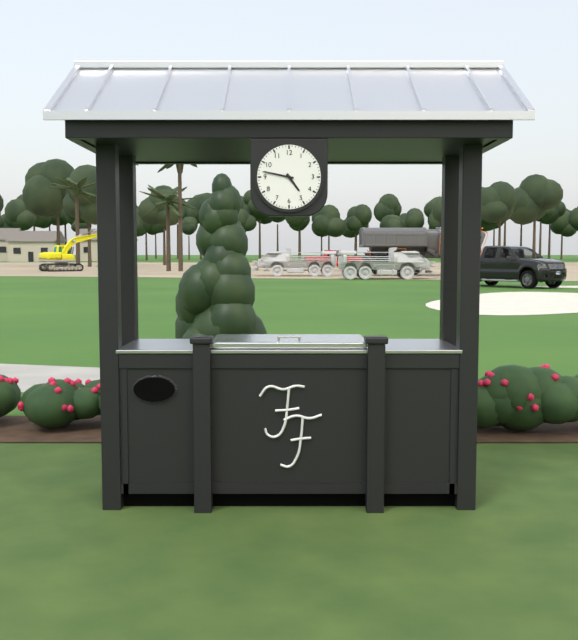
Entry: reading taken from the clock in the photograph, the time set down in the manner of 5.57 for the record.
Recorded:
4.47
